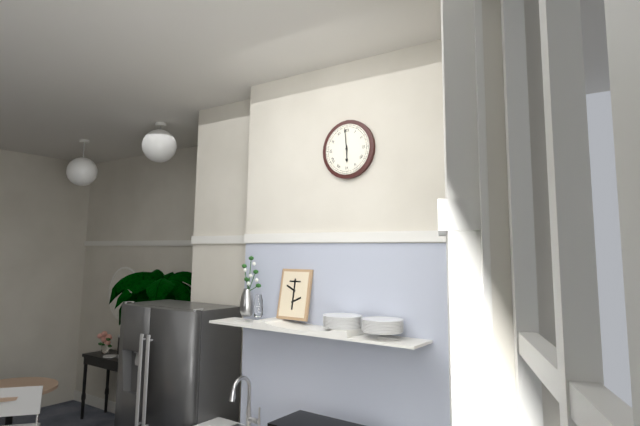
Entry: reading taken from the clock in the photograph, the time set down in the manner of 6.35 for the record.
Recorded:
5.59
